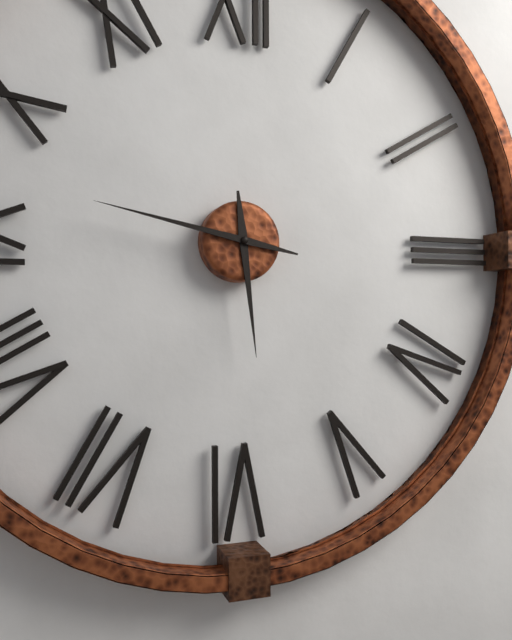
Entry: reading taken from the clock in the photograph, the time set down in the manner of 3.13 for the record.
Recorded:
5.47
